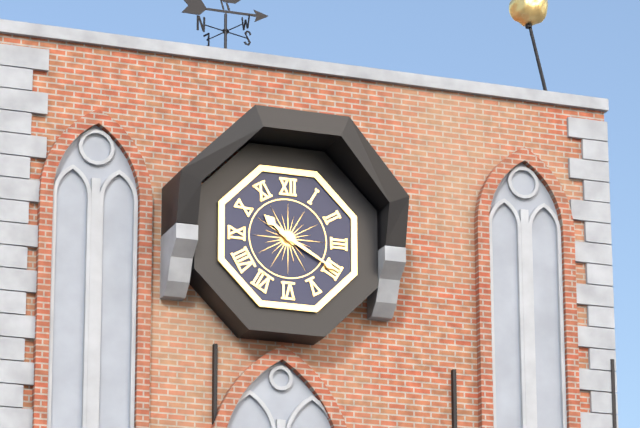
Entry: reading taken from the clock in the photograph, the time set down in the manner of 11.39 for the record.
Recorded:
10.20
